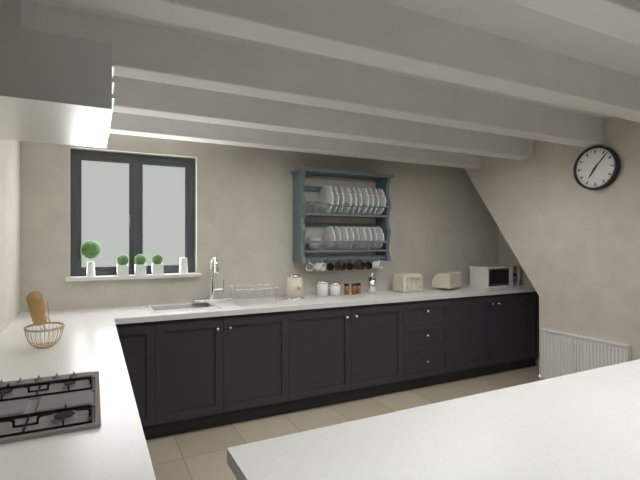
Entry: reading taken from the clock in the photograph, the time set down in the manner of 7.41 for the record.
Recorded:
7.07
